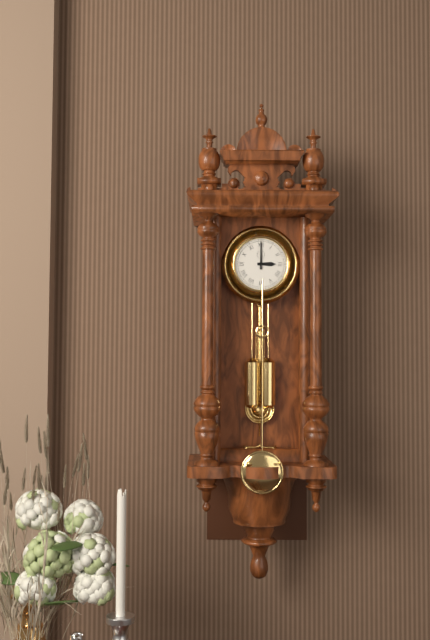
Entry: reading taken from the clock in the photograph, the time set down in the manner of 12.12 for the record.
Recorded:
3.00
